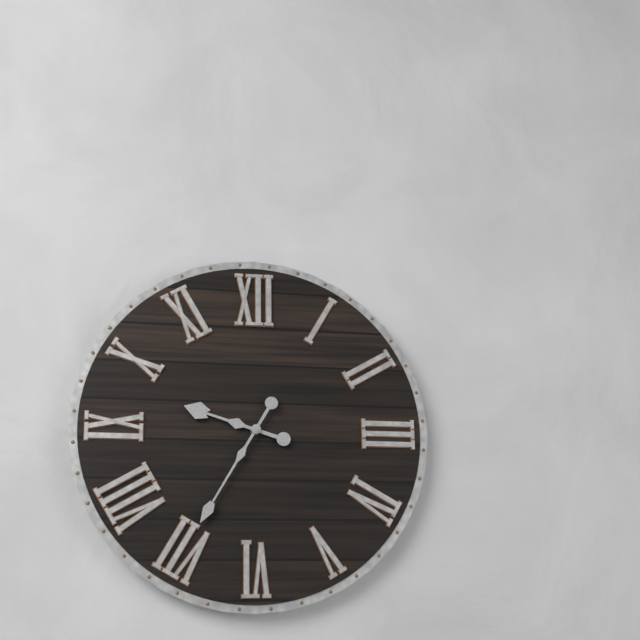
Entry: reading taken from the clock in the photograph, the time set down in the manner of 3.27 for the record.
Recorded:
9.35
